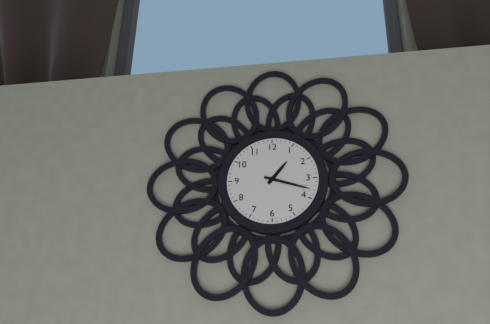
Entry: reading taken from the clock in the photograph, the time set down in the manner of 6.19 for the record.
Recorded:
1.18
